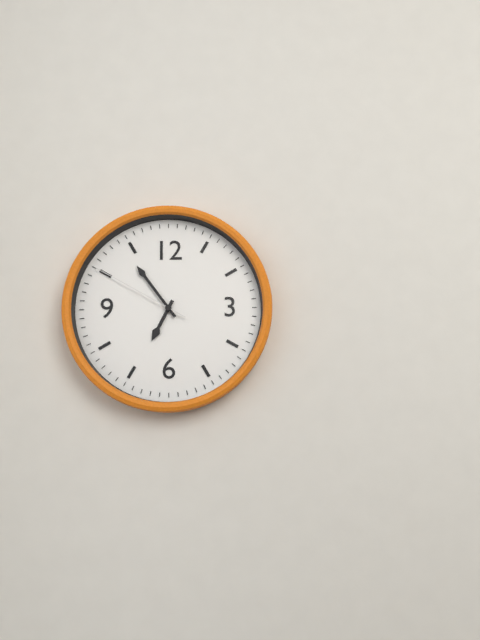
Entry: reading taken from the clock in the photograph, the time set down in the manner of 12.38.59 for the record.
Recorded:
6.54.50
